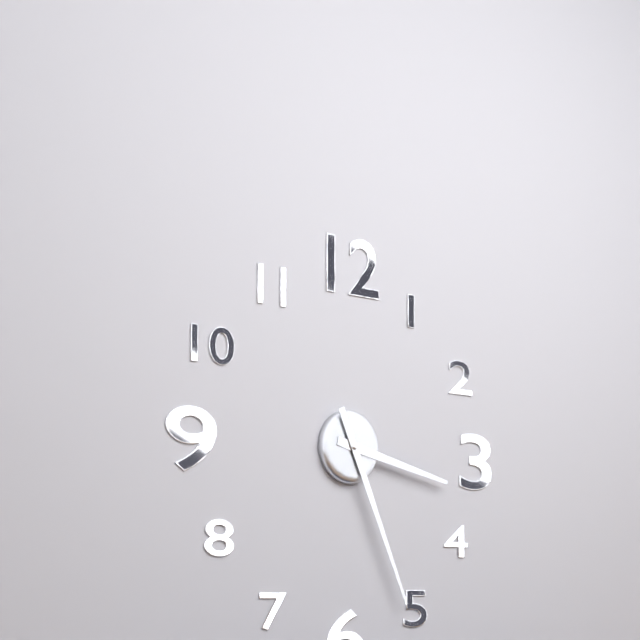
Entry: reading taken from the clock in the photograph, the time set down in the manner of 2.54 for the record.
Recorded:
3.26
